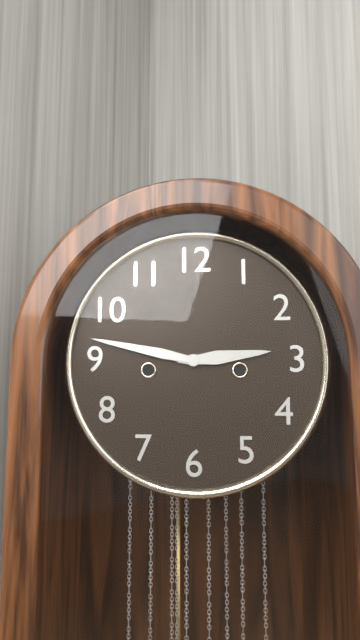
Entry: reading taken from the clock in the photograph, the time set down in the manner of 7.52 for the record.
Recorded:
2.47
